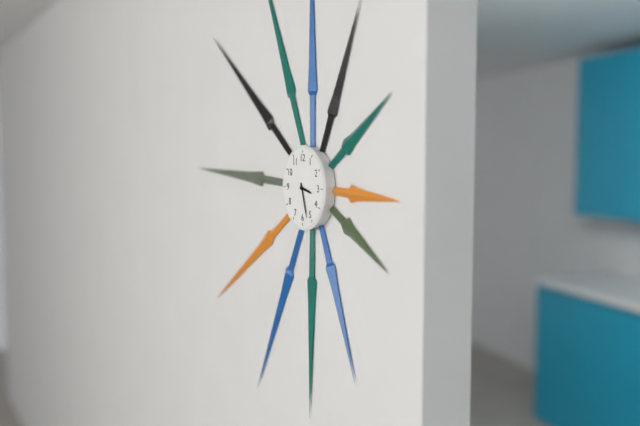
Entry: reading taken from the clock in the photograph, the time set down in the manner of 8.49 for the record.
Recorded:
3.27
